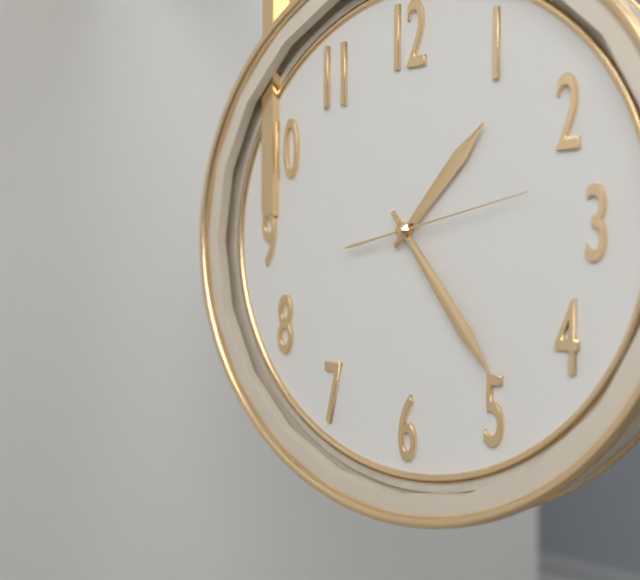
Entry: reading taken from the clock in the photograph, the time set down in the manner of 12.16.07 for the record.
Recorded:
1.24.13
